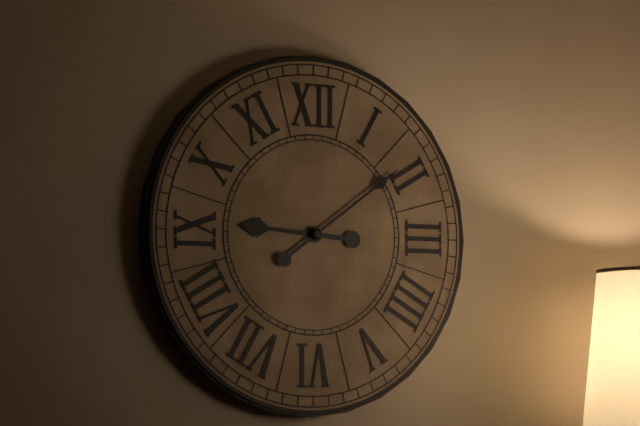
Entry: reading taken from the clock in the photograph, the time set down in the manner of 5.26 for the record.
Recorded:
9.09
